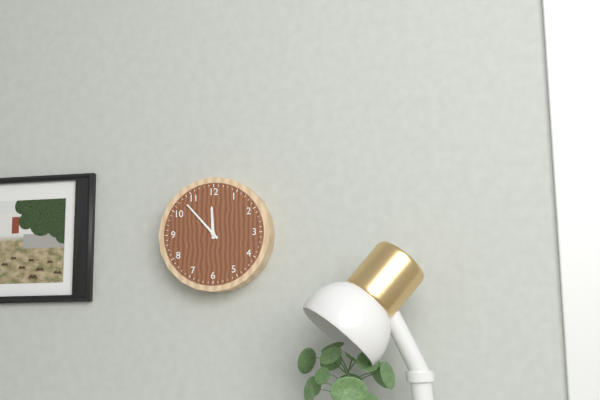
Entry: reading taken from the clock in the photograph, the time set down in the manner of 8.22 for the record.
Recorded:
11.53
